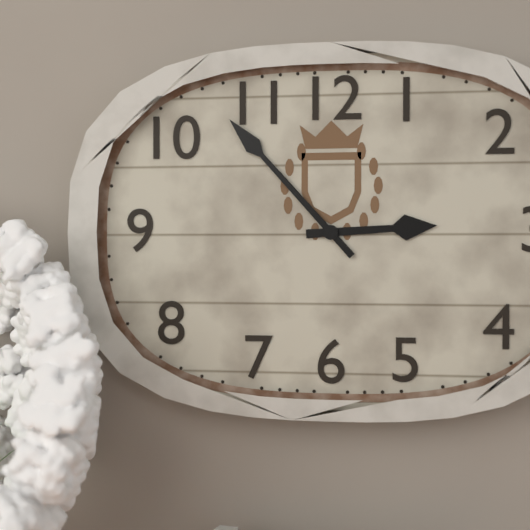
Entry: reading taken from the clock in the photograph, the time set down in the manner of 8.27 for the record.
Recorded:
2.53
